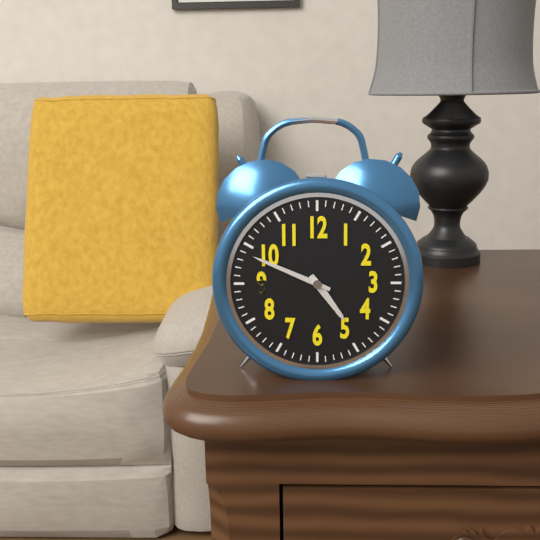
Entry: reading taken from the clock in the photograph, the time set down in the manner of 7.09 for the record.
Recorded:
4.49
